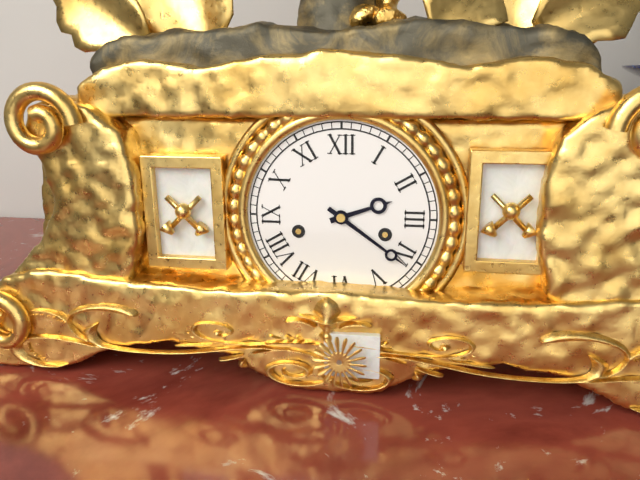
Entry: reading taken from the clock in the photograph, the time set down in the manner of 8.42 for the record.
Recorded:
2.21
